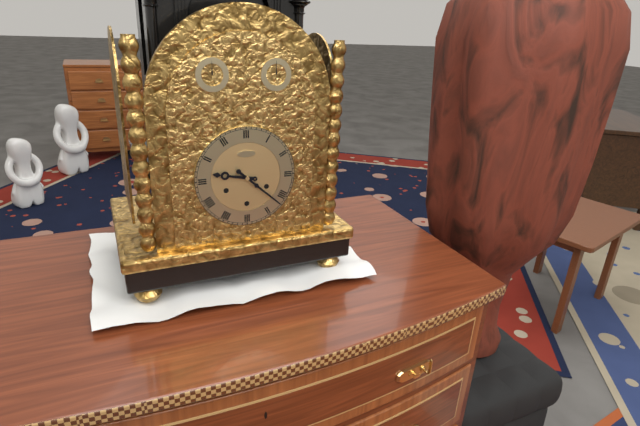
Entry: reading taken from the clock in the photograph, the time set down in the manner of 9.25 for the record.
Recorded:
9.22
